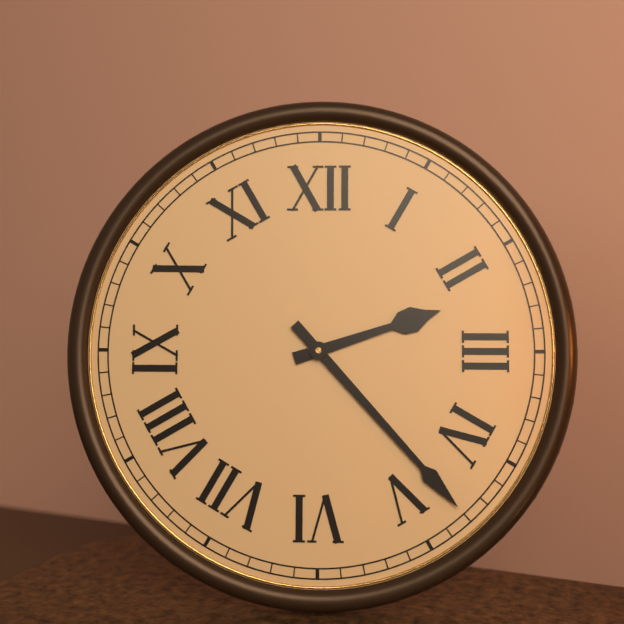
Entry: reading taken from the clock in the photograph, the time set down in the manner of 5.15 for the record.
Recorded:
2.23
